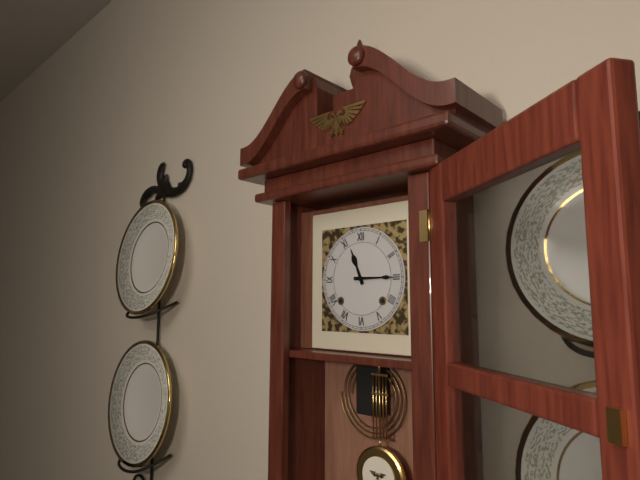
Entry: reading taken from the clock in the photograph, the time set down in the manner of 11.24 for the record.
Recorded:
11.15
